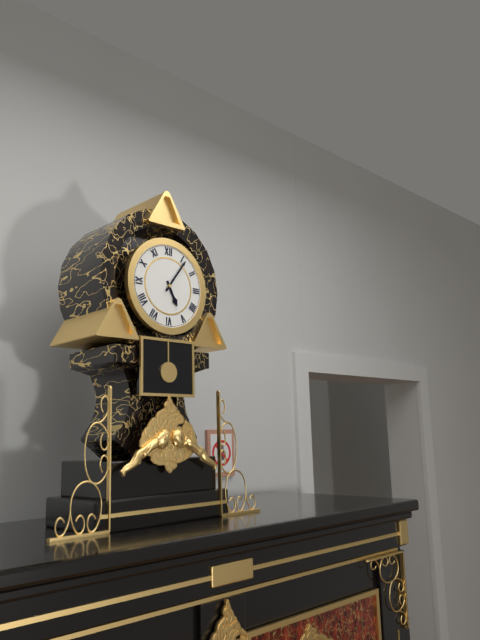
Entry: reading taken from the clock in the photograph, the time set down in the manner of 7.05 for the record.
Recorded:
5.06
